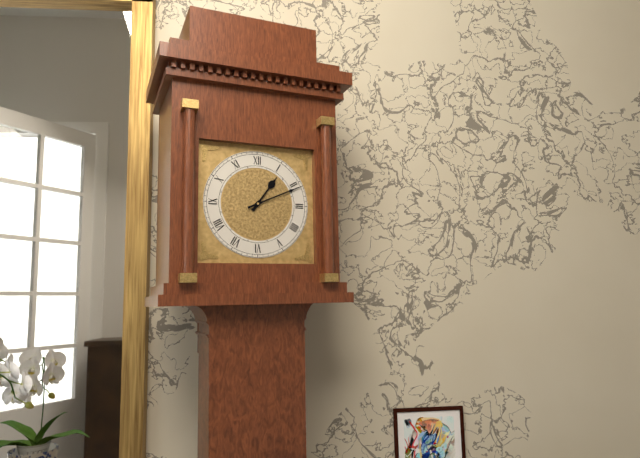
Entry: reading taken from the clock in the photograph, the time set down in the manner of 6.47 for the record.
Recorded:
1.11
